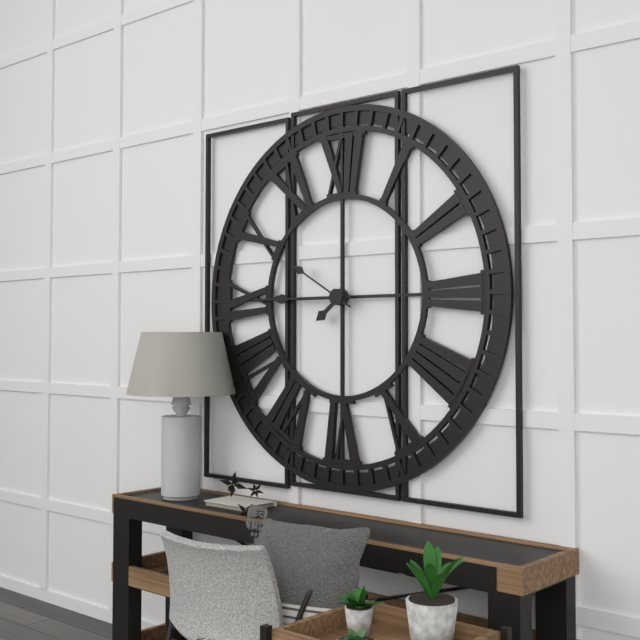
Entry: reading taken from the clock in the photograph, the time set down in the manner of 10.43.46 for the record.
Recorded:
7.45.50
